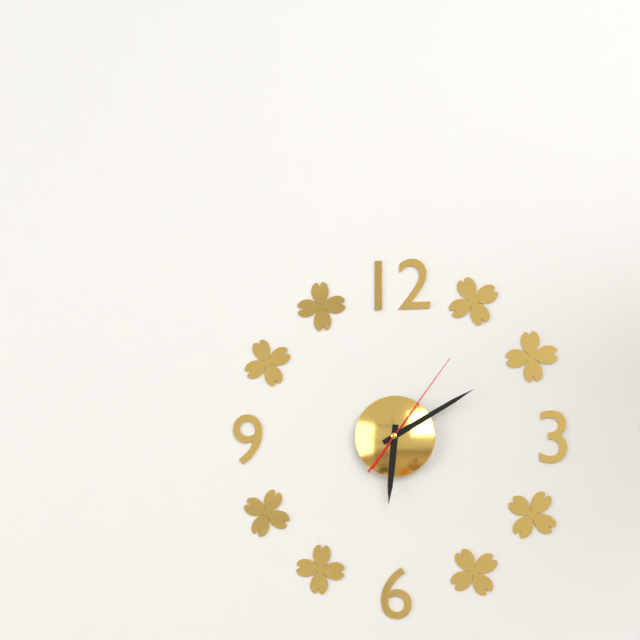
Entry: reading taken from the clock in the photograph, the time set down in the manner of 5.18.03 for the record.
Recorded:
6.10.06
